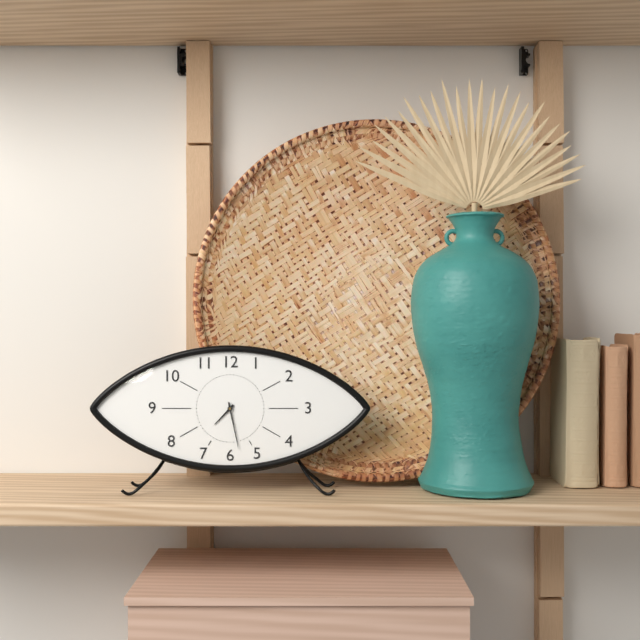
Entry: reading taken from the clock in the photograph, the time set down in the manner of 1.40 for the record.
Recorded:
7.28
